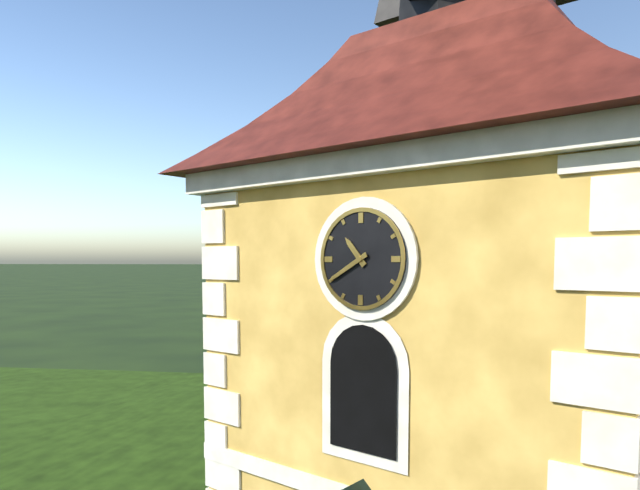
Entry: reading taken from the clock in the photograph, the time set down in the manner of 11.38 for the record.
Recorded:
10.40
